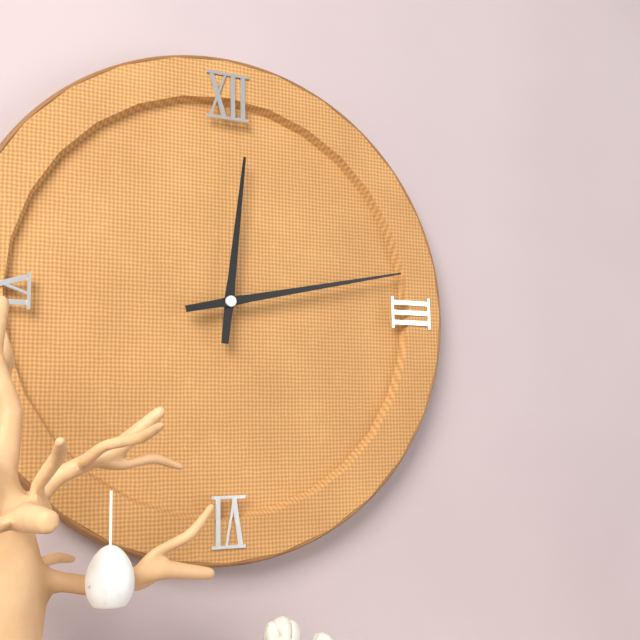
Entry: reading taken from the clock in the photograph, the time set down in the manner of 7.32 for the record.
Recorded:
12.13
